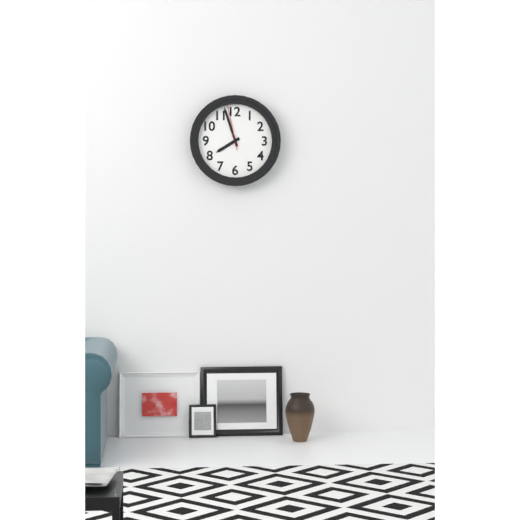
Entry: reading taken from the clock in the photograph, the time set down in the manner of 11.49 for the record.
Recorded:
7.57
